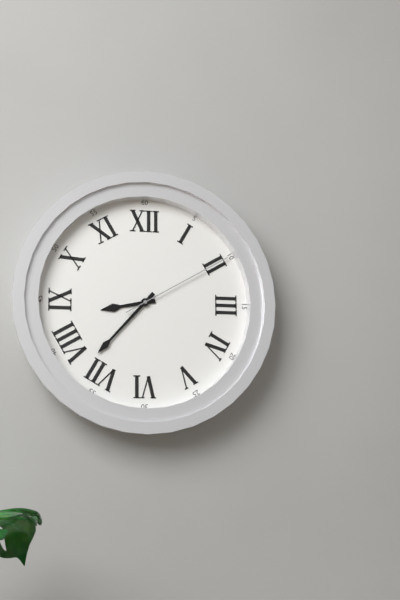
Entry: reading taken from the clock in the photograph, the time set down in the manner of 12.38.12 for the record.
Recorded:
8.37.10
